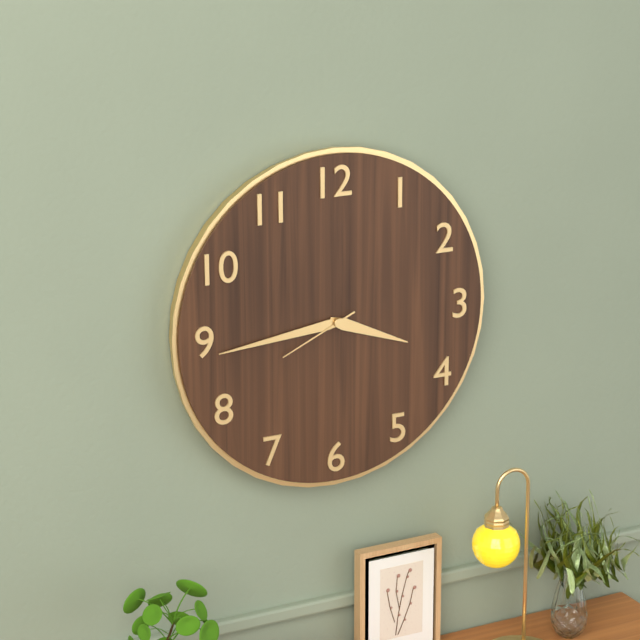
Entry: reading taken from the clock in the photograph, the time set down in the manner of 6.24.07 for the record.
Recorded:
3.44.41
